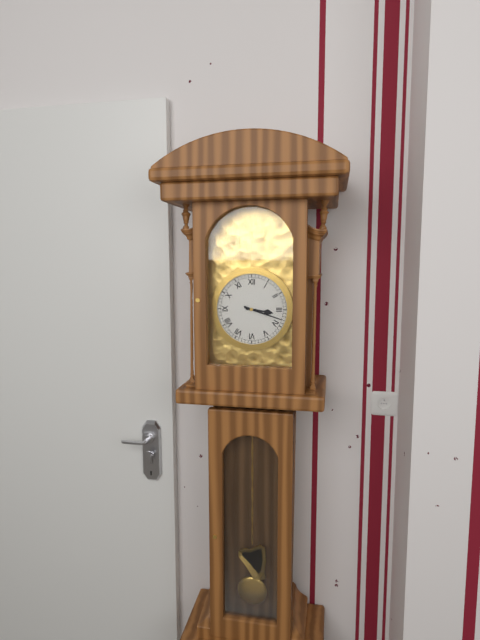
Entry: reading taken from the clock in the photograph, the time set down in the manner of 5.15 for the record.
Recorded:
3.18
